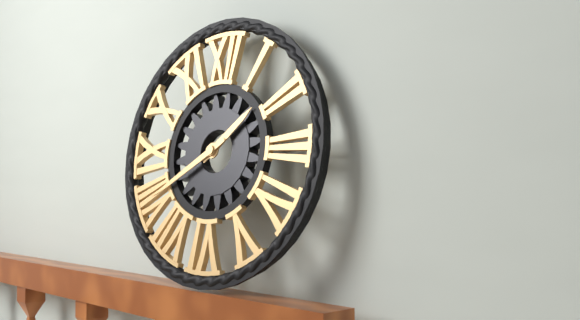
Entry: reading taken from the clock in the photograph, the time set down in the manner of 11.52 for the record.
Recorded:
1.40
